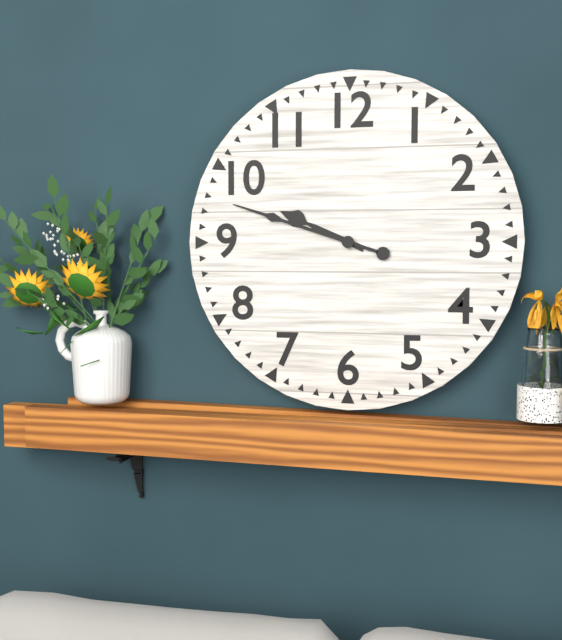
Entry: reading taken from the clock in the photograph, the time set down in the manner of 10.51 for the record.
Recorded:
9.48
